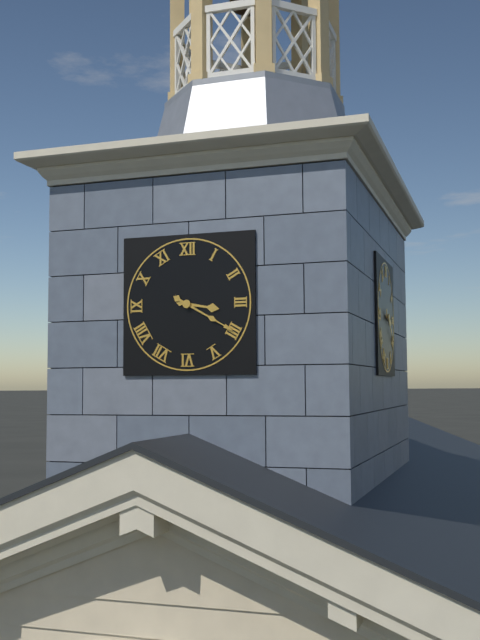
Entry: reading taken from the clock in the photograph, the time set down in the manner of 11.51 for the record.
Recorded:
3.20
